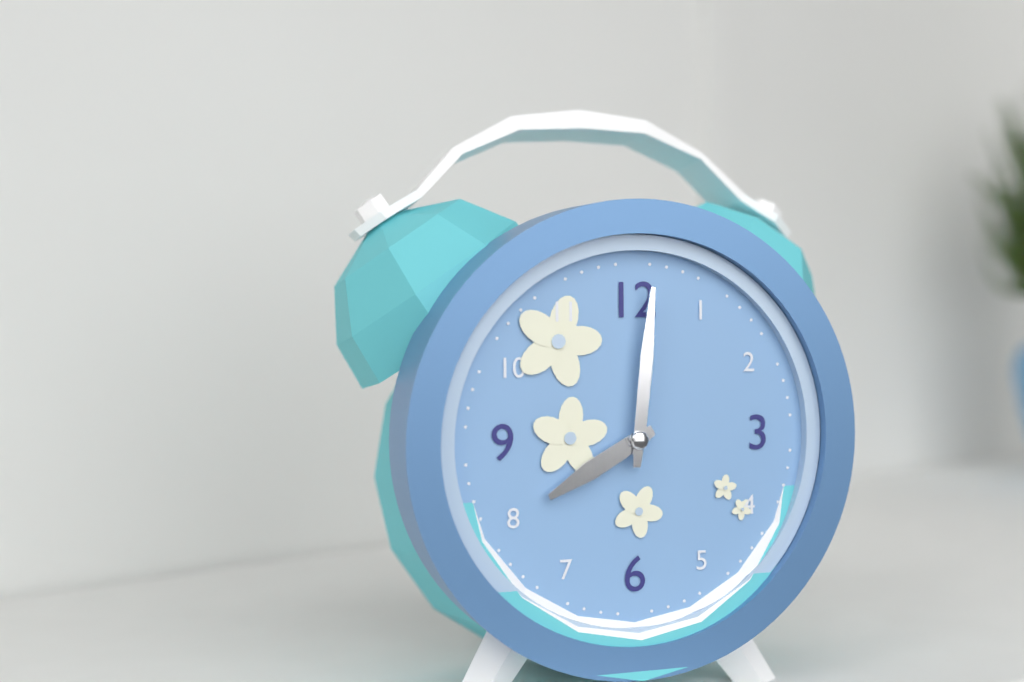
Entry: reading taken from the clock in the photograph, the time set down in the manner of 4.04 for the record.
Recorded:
8.01
